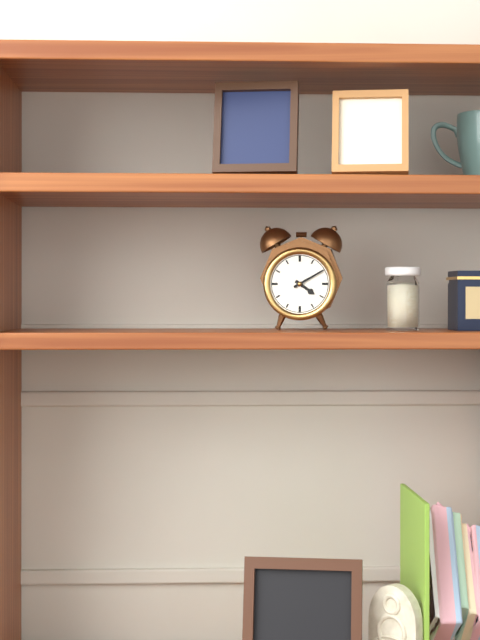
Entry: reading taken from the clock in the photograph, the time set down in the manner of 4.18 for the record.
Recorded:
4.10
